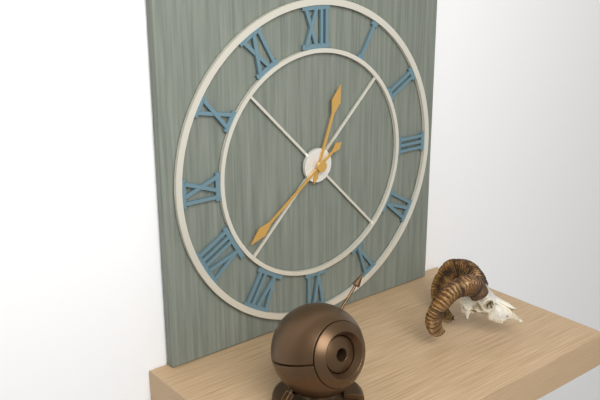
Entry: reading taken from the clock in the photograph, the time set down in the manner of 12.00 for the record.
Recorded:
12.39
